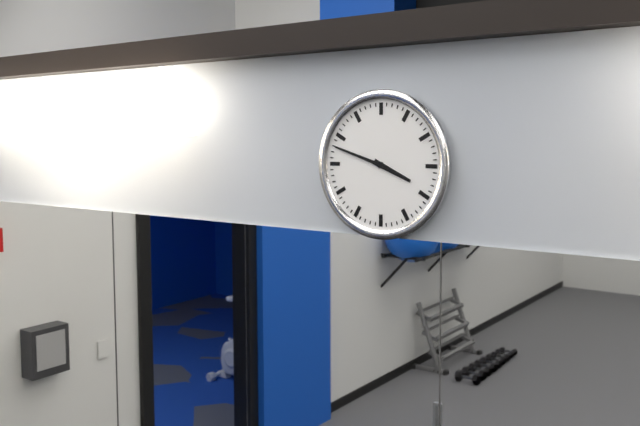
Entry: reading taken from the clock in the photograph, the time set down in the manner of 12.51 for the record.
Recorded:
3.48
